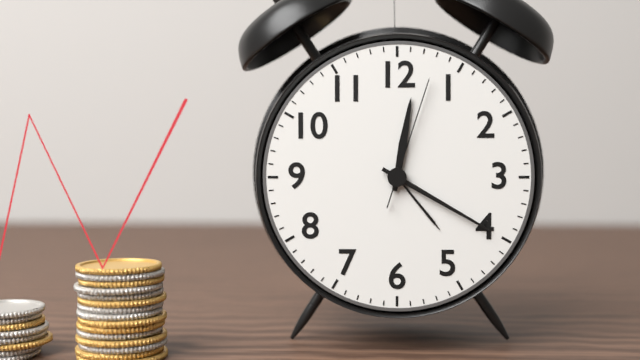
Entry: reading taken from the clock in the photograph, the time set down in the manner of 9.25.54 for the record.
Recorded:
12.20.03
